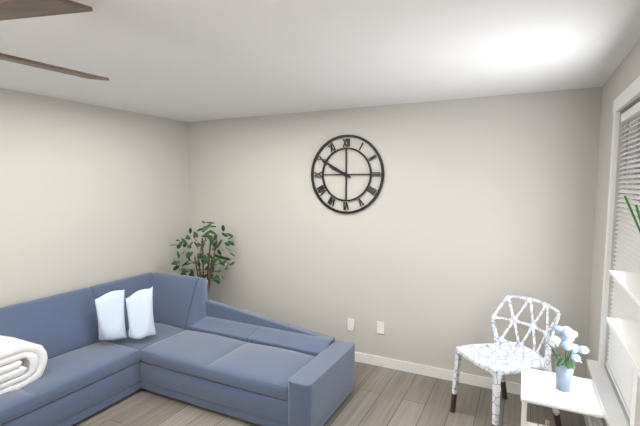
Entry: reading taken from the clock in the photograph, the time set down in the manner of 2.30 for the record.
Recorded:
9.50
